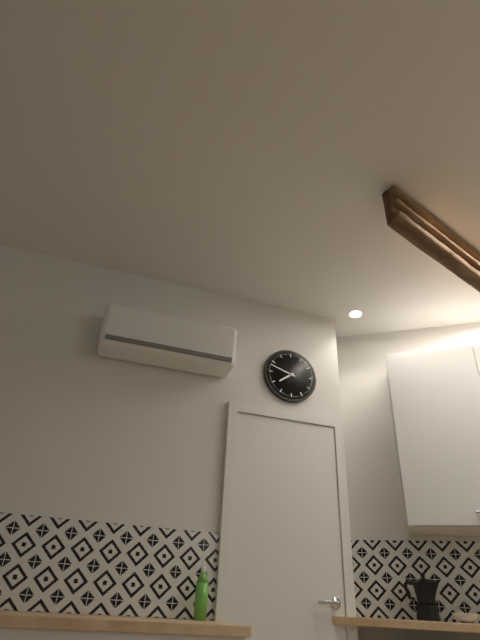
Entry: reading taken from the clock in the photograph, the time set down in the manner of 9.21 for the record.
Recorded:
7.48
